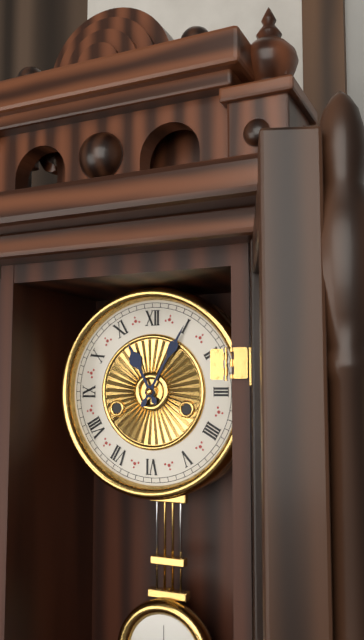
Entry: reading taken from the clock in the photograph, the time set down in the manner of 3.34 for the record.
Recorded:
11.05
